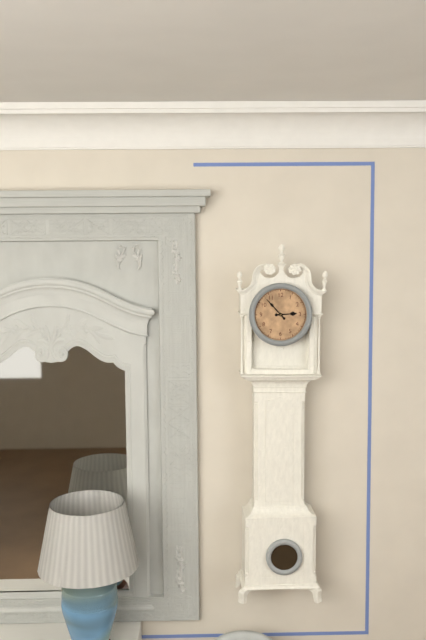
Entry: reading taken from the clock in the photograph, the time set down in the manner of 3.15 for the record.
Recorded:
2.53
